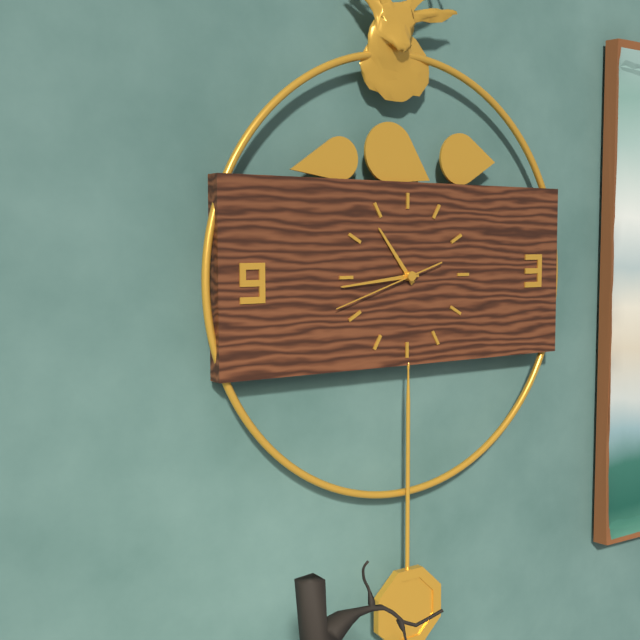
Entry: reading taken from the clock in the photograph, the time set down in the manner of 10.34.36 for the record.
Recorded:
10.44.42
